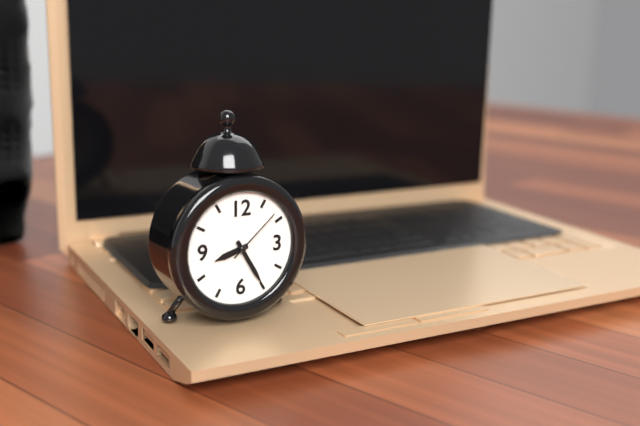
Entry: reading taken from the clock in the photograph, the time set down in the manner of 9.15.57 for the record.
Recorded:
8.25.08
